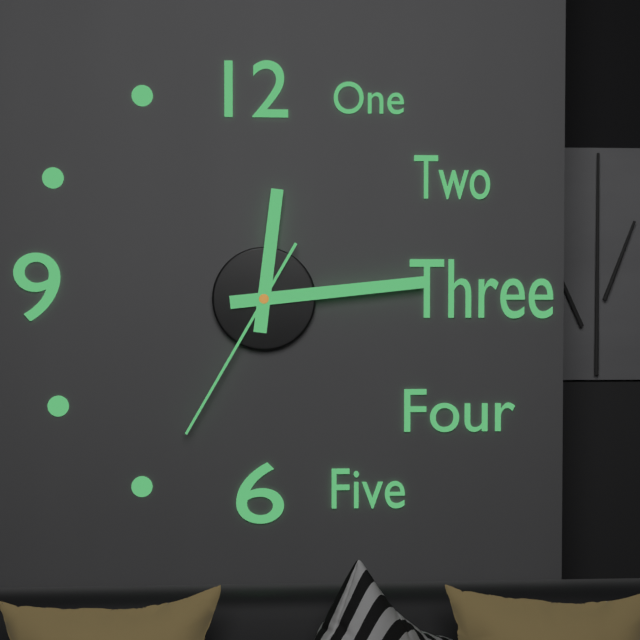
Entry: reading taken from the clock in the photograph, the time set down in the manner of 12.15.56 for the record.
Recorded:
12.14.35
